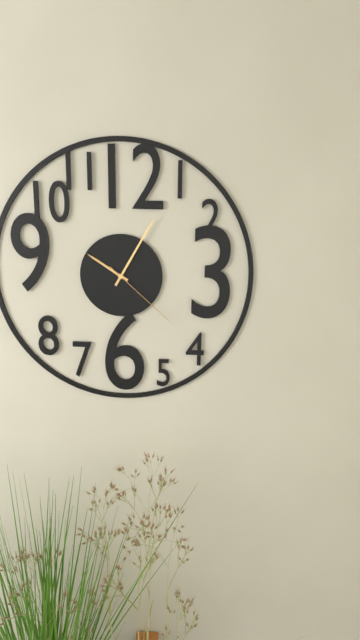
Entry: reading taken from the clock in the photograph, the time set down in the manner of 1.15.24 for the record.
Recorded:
10.05.22
